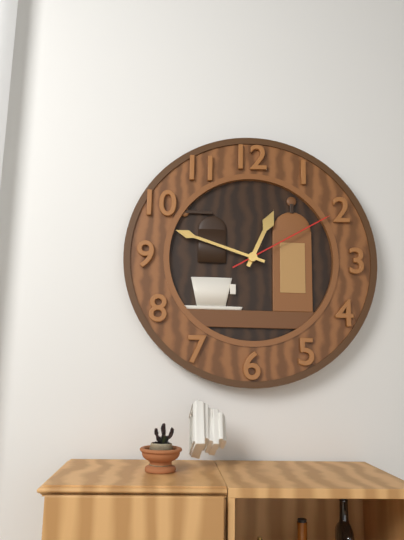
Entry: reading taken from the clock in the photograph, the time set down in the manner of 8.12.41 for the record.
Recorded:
12.48.10
